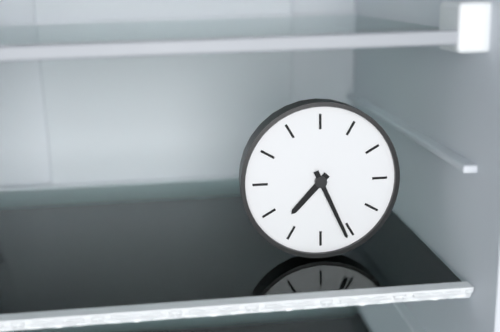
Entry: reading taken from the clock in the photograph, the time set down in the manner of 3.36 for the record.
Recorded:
7.26
